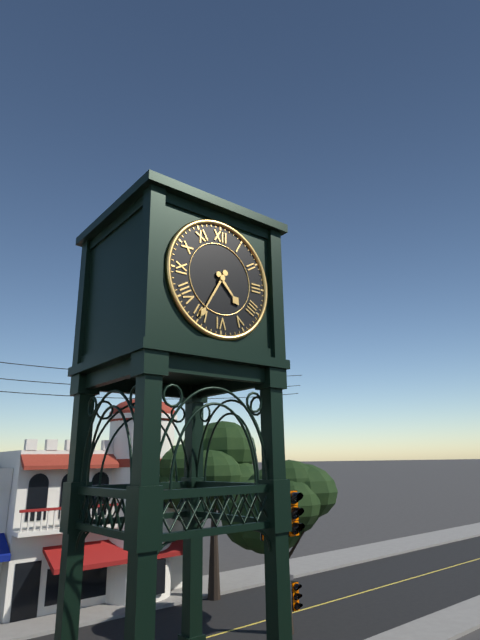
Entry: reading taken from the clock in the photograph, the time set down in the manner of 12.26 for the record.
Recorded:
4.35
